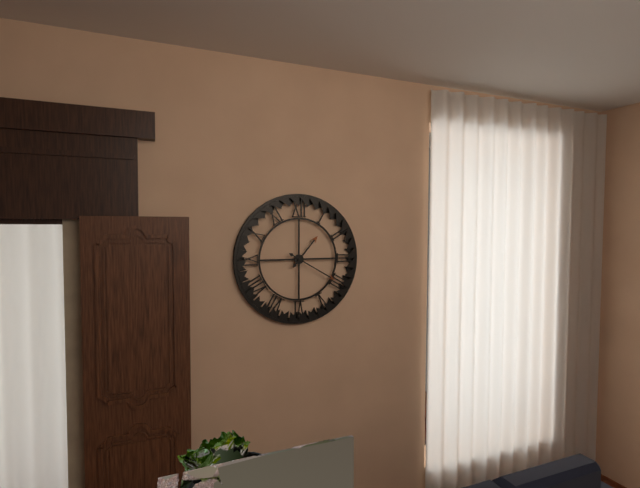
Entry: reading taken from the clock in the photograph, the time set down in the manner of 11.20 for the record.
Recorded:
1.20
